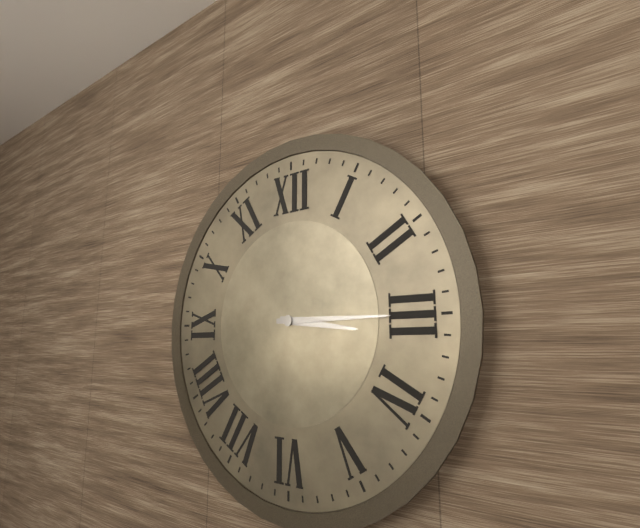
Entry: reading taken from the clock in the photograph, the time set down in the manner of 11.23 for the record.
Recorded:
3.15
